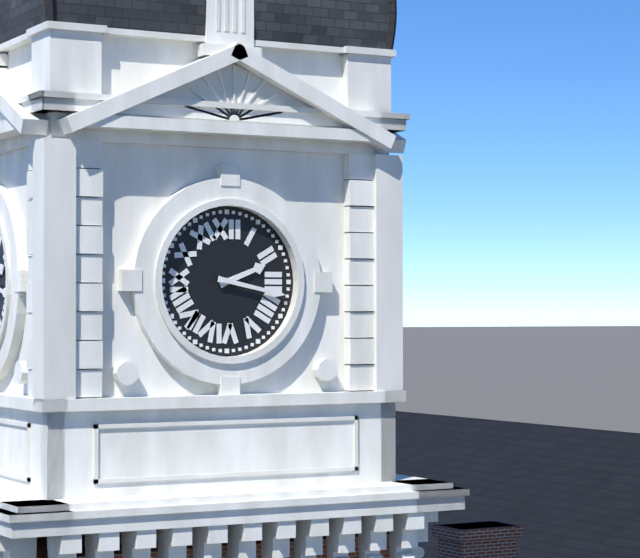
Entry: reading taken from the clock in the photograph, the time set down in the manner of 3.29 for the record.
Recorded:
2.17
